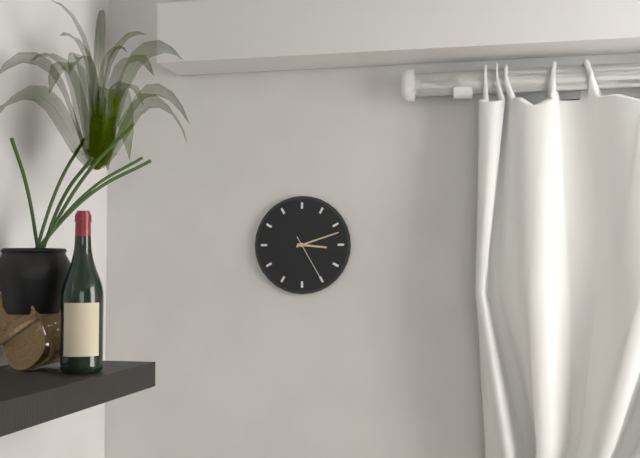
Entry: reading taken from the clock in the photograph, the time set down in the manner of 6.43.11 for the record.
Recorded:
3.12.25
